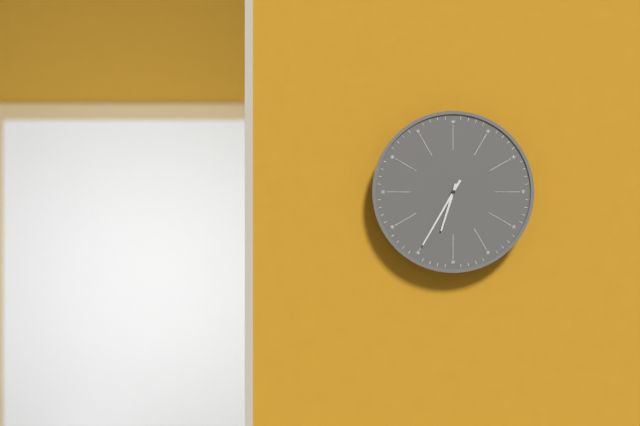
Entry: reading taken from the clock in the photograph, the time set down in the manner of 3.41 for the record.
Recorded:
6.35
